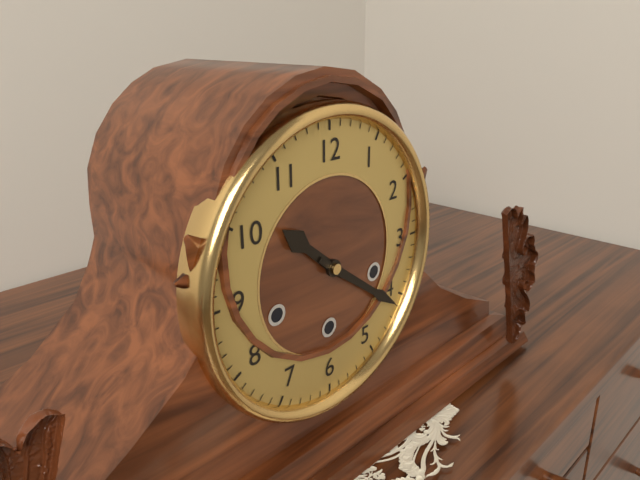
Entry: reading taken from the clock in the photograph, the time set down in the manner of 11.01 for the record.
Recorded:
10.21
